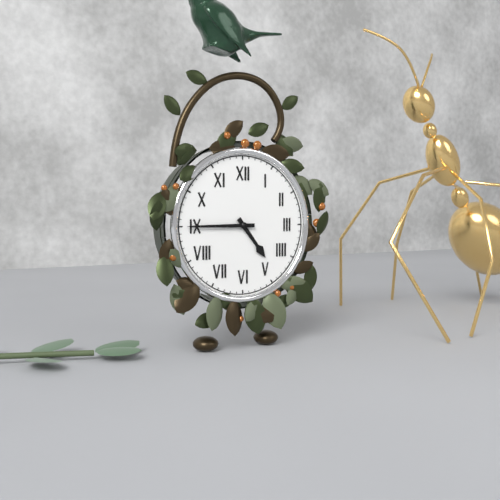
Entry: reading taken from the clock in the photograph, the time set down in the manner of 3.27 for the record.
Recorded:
4.45
